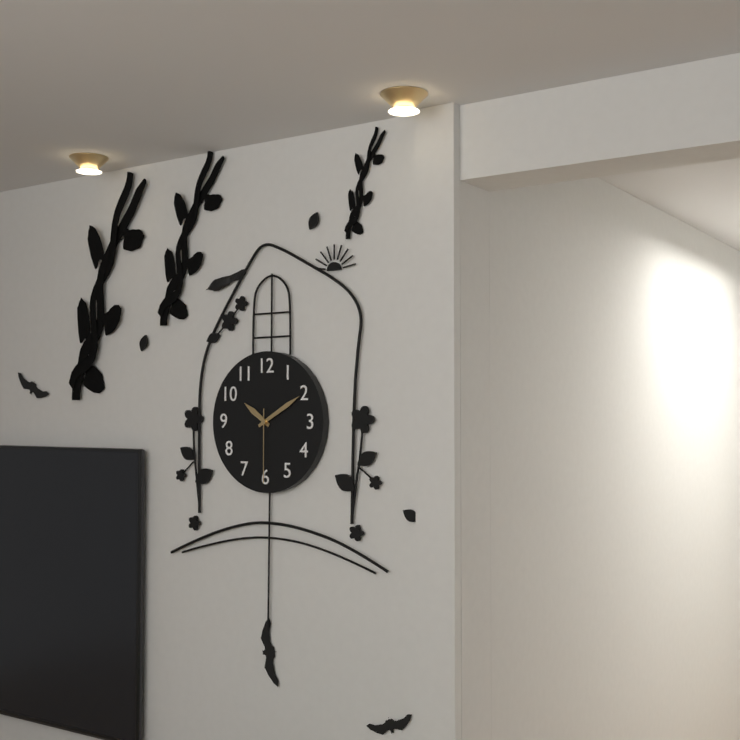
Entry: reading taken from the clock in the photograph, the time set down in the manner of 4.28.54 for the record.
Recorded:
10.10.30
